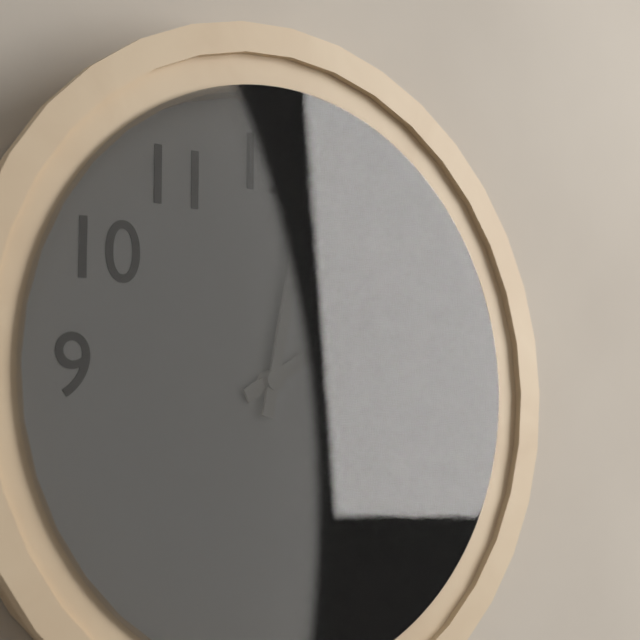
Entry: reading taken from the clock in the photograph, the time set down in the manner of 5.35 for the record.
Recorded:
2.02
